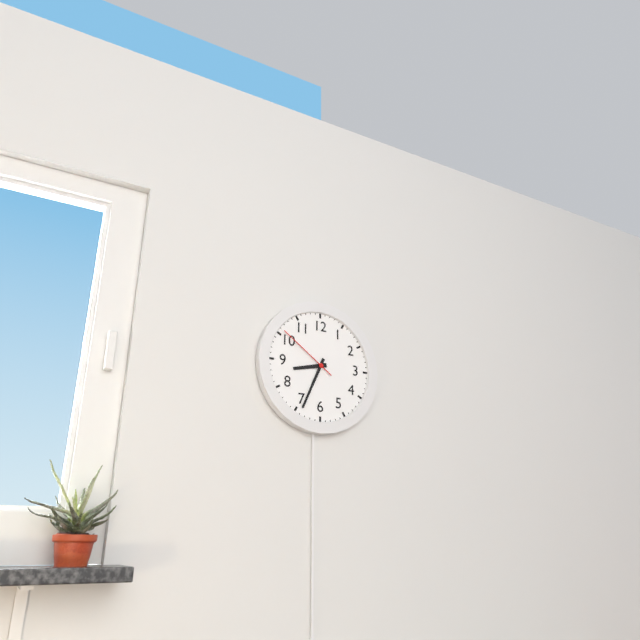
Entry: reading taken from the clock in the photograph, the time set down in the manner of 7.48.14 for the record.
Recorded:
8.34.51
